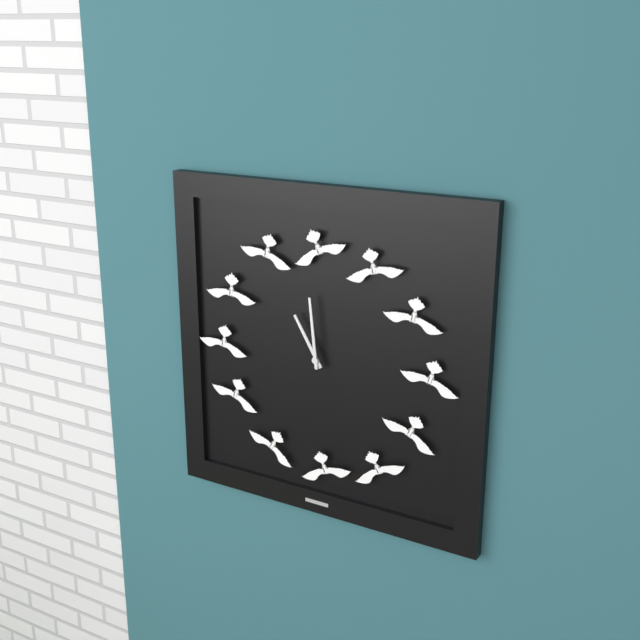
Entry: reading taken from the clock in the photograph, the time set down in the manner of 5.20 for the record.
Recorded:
10.59
